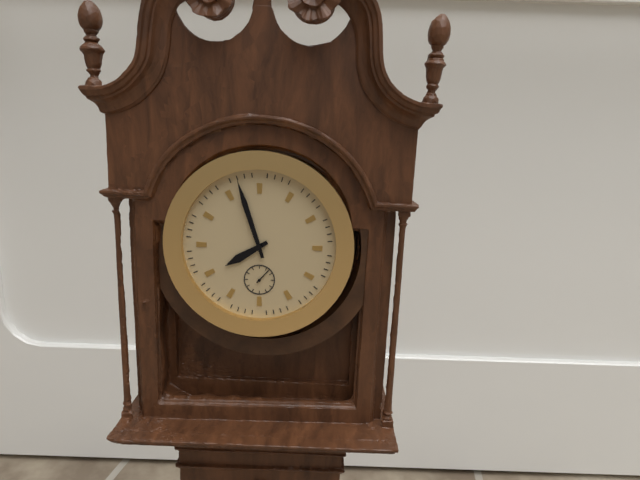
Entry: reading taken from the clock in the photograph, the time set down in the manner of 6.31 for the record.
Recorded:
7.57
